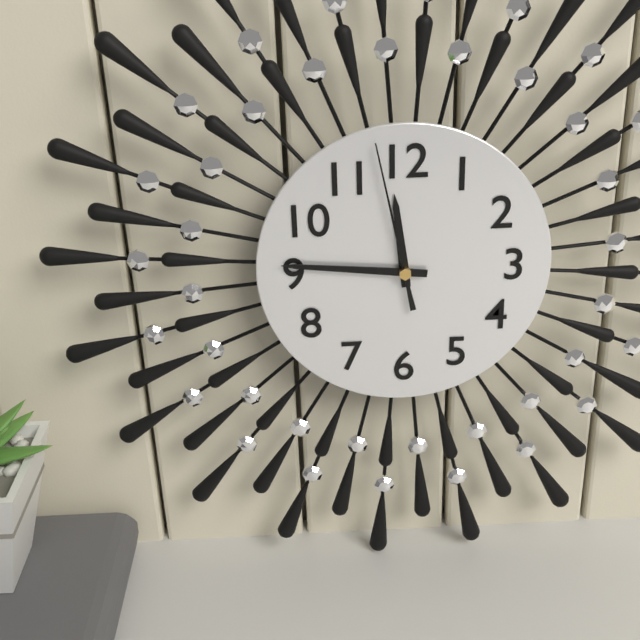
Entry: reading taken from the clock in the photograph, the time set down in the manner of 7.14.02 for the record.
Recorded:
11.46.58
